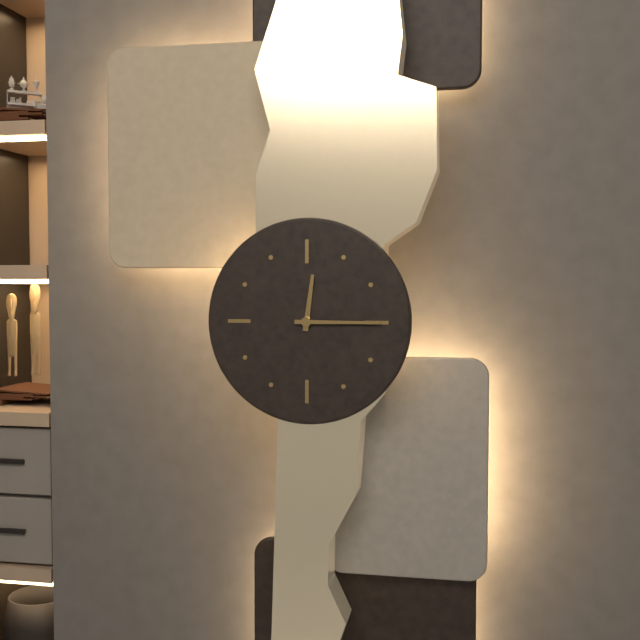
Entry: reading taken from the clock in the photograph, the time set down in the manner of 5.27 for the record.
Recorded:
12.15
